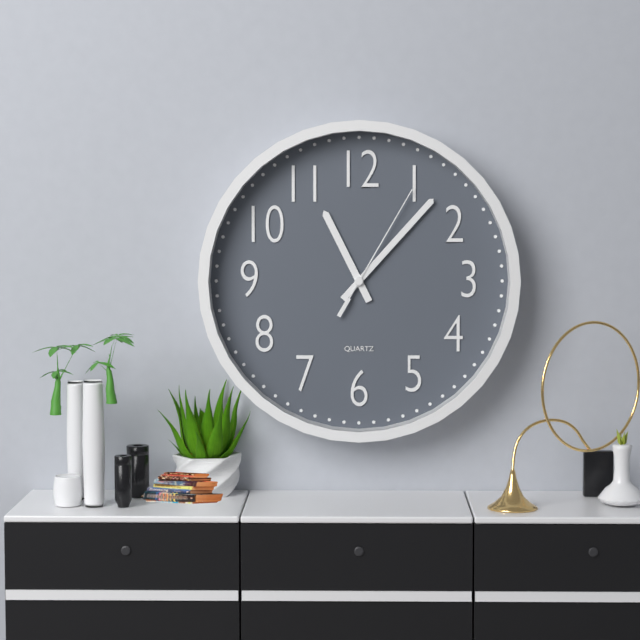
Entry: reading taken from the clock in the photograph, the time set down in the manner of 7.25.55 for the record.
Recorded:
11.07.05
